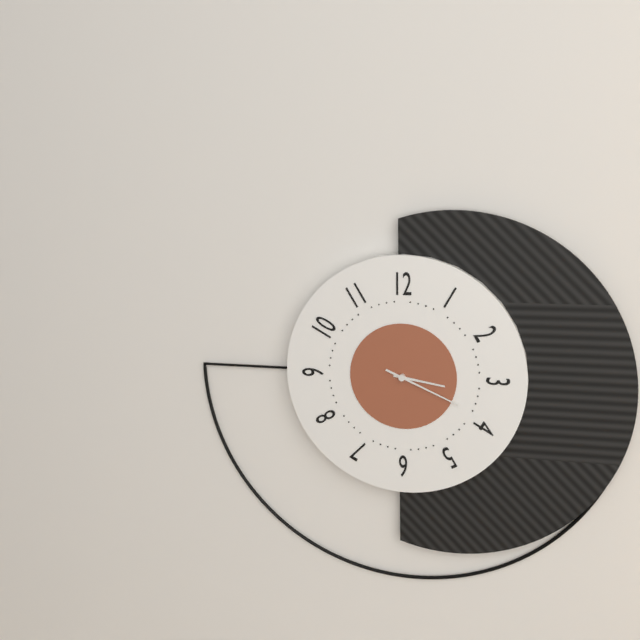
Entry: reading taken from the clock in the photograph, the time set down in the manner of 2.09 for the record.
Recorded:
3.19
